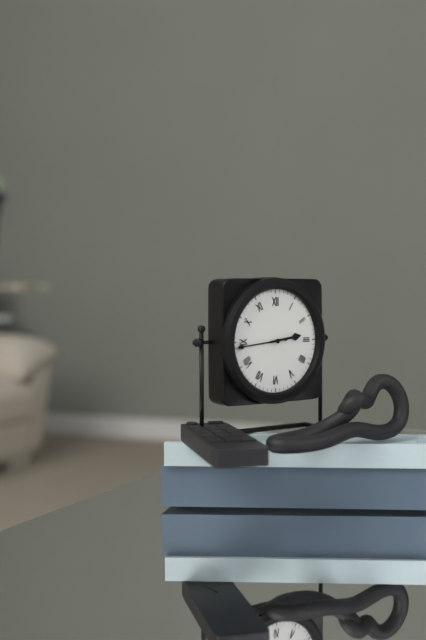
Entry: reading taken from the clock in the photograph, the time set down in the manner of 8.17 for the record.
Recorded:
2.44
